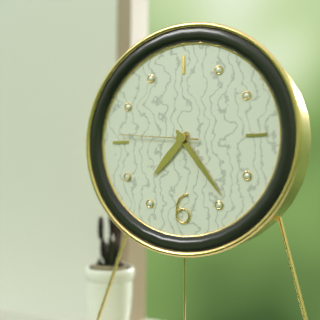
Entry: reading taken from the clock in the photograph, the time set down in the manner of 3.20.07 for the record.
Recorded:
7.24.46
